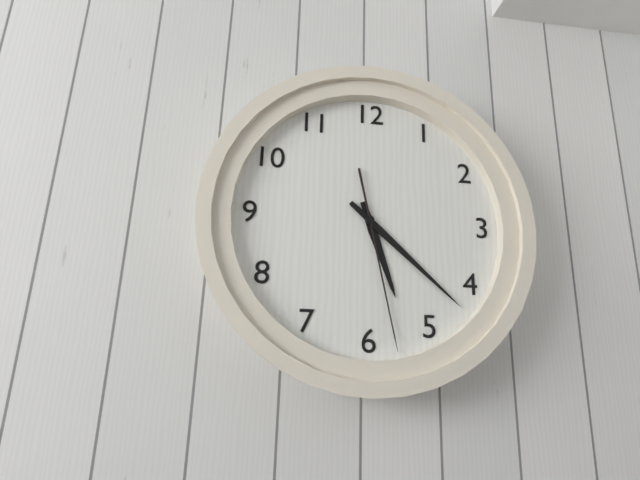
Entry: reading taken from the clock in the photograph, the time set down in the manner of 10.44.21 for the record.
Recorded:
5.22.28
